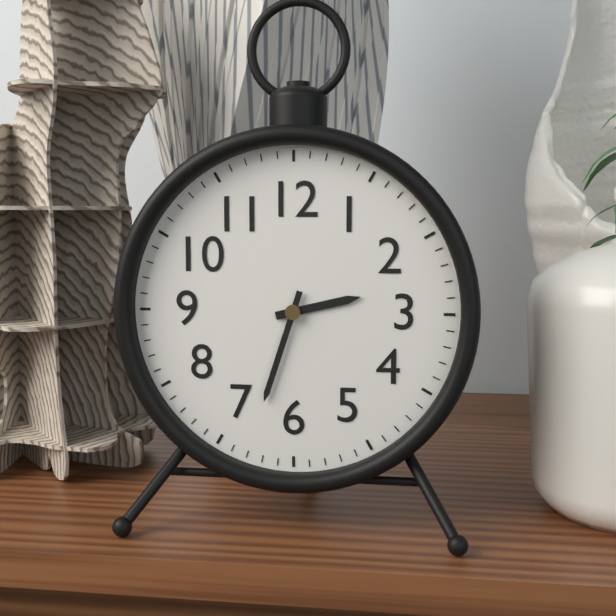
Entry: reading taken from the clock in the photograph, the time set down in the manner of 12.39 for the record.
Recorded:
2.33
